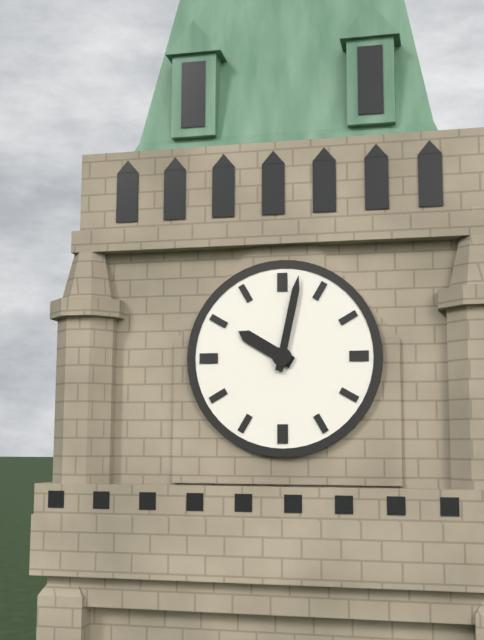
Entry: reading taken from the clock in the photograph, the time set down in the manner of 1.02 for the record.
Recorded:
10.02
